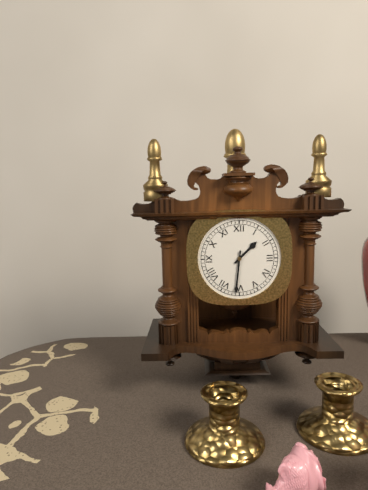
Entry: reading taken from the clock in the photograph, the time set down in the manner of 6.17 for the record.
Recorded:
1.31
